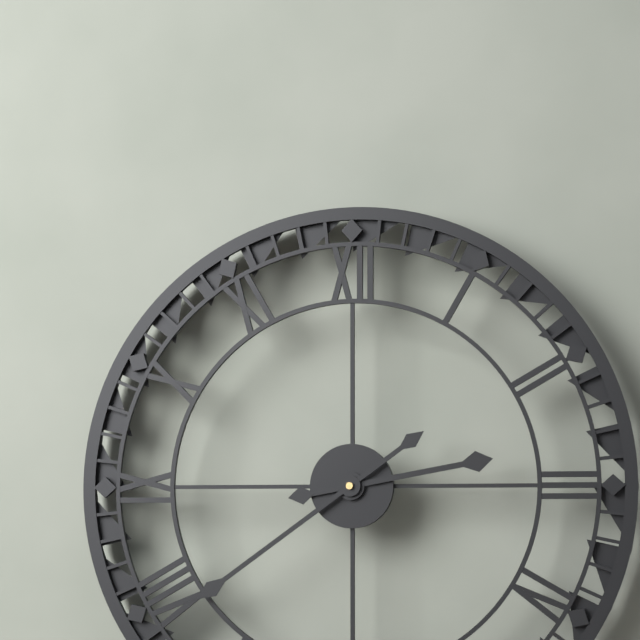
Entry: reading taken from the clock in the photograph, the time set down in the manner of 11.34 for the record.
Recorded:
2.39
